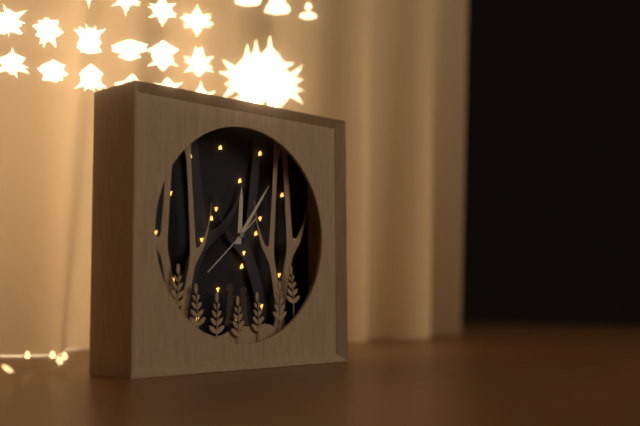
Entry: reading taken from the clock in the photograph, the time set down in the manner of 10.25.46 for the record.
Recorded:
12.06.38
